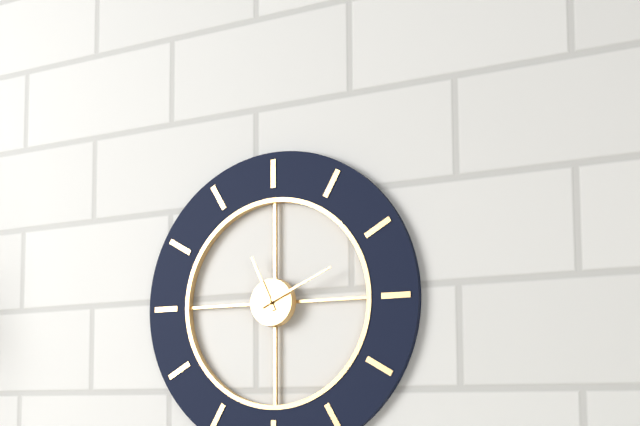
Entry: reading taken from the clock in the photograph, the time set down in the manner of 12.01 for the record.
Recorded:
11.11
